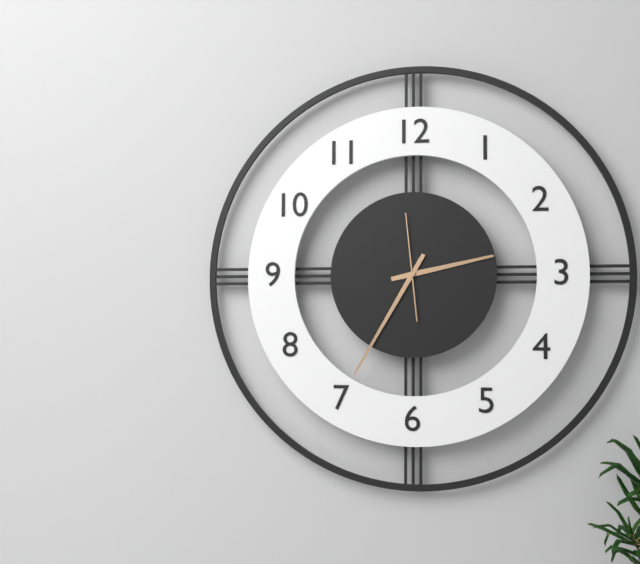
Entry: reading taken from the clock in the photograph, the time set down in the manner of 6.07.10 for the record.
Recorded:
2.35.59
